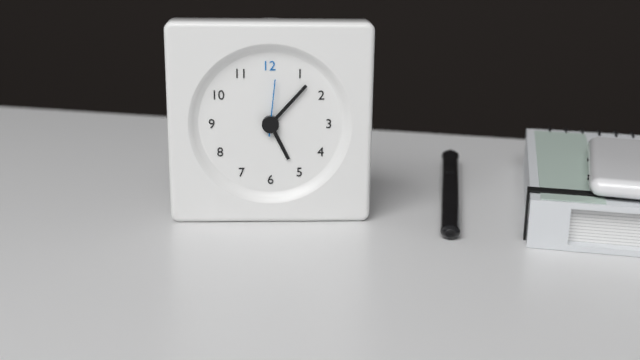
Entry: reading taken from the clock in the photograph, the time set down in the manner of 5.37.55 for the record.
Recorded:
5.07.01
